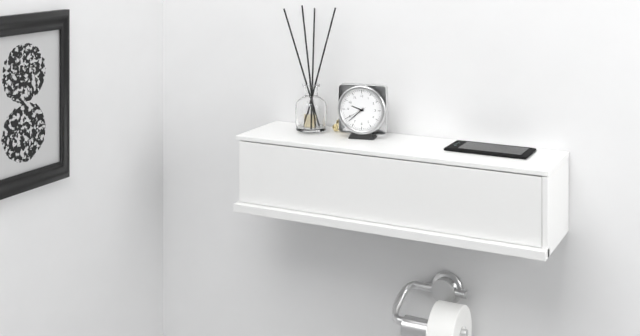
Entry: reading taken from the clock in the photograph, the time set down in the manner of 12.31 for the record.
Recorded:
9.38
